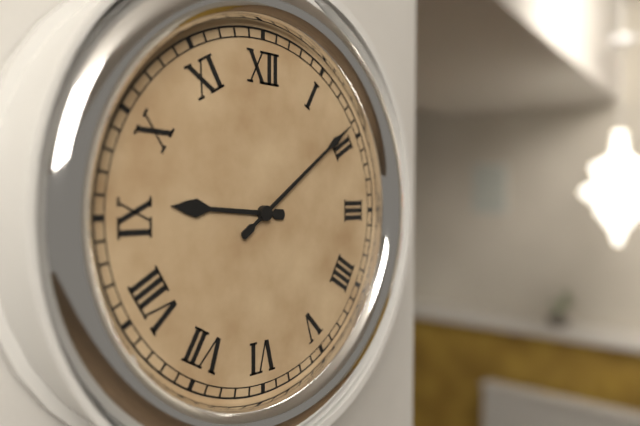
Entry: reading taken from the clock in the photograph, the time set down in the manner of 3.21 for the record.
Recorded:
9.09
